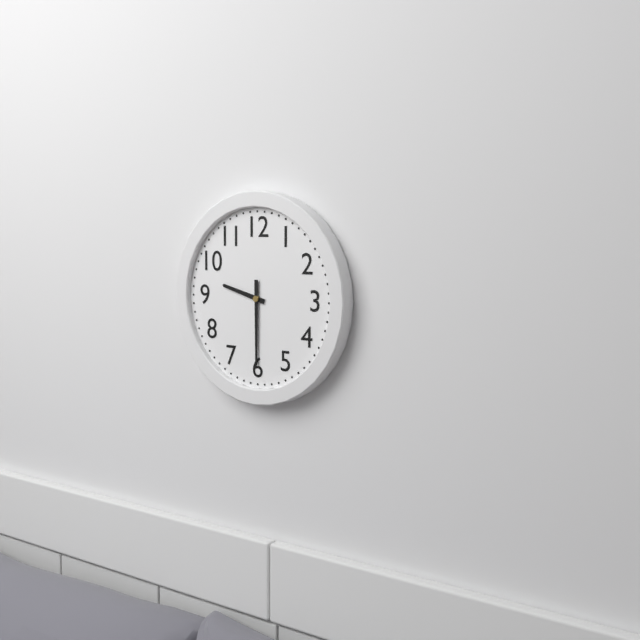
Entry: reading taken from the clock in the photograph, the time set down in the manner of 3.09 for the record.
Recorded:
9.30
